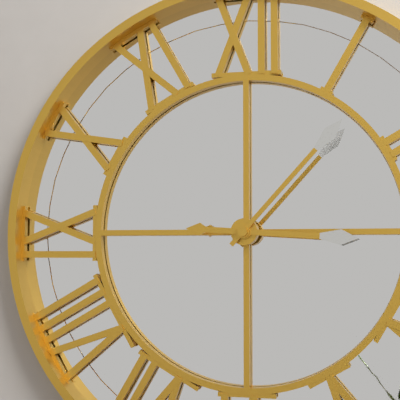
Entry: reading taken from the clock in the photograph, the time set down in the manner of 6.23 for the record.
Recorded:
3.07
